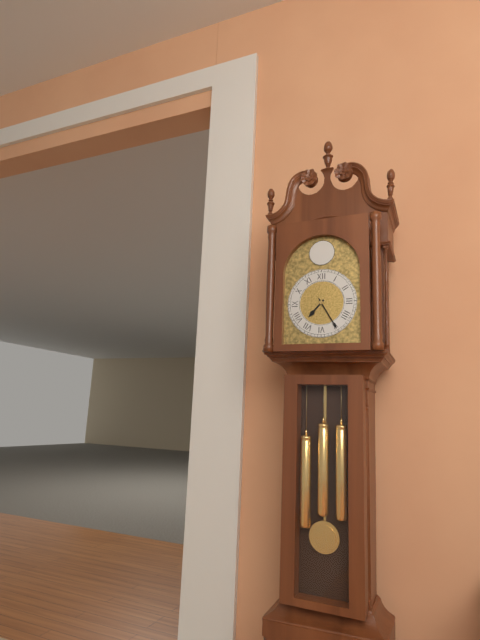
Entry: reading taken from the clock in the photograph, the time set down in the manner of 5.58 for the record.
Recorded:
7.25
